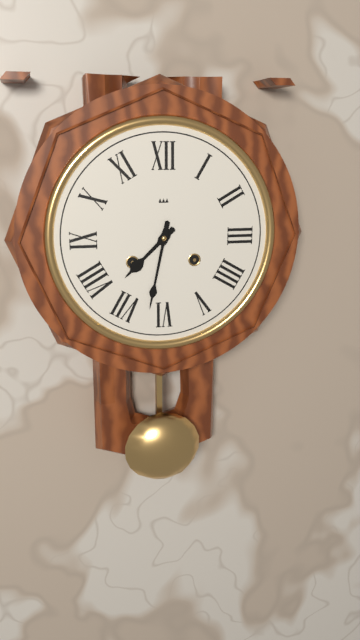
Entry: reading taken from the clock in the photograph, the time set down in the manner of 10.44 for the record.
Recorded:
7.32
